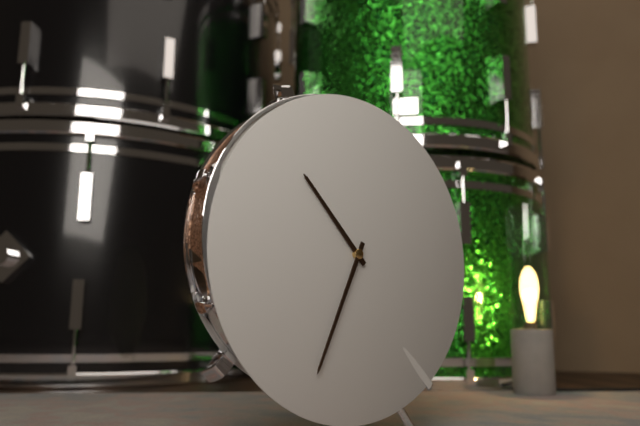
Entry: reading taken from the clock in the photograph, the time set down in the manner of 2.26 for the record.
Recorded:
10.34
